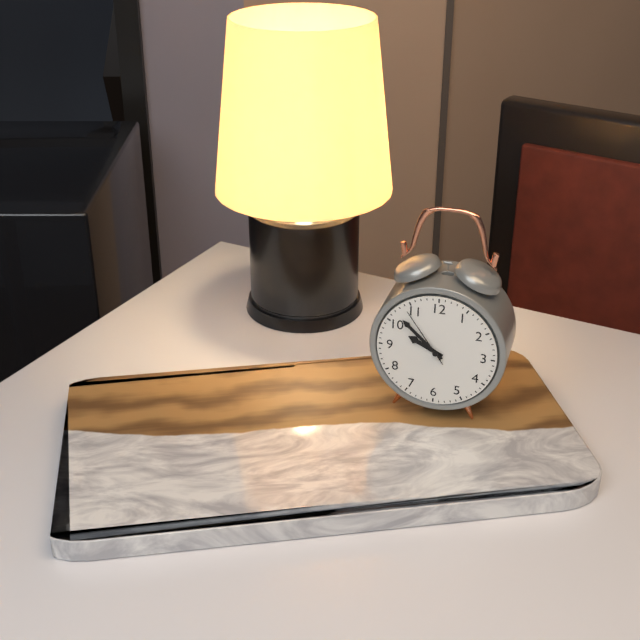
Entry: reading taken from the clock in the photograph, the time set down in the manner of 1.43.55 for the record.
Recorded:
9.52.54
